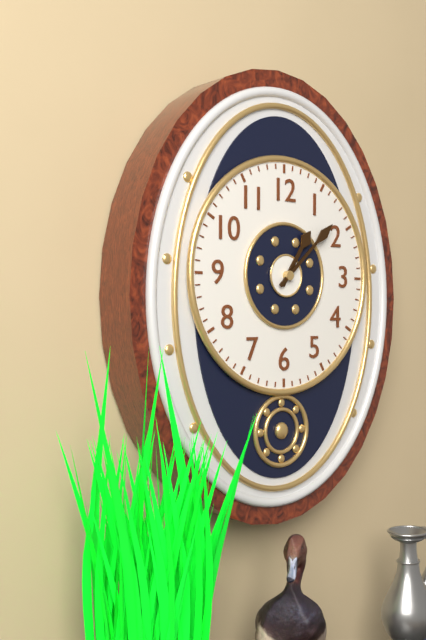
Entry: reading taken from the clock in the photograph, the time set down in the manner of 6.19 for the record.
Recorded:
1.08
